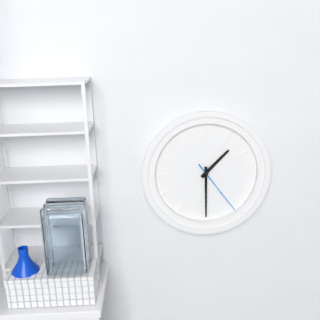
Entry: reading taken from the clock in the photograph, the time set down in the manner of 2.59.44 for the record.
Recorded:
1.30.24
